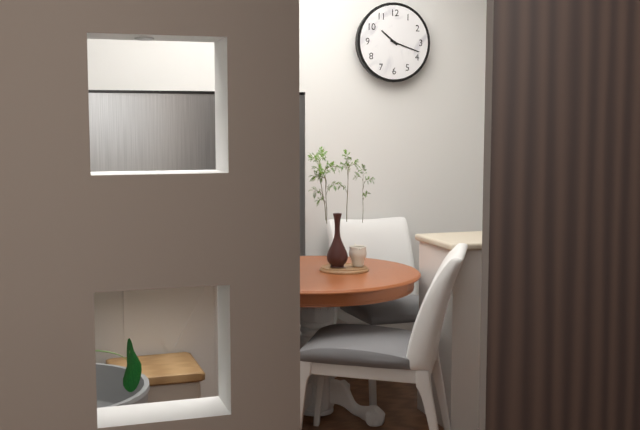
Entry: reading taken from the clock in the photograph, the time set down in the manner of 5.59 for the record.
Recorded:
10.18
